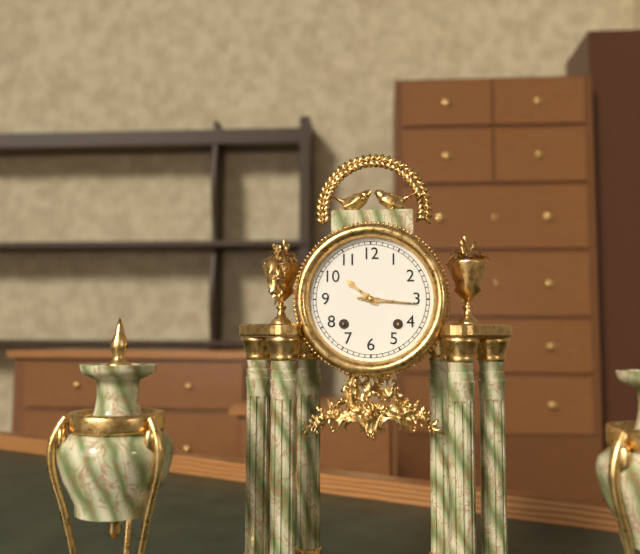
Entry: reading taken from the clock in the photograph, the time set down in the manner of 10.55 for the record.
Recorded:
10.16
